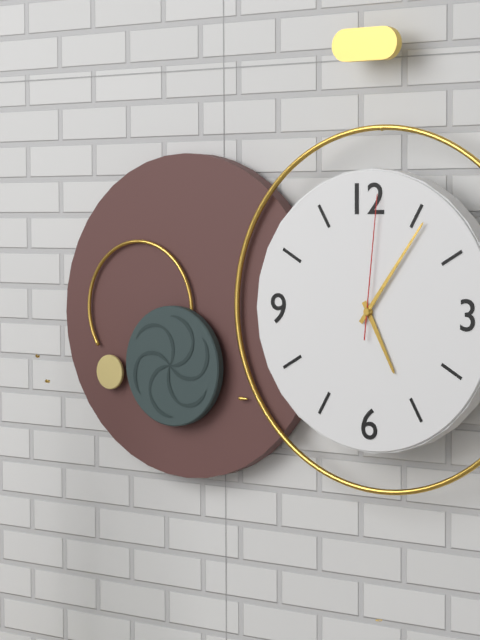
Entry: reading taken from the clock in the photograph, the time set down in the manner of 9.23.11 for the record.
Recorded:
5.06.01
